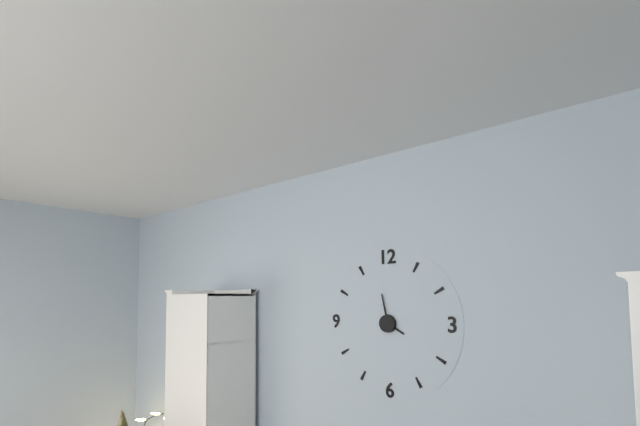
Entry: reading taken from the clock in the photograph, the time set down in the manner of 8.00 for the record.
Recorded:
3.58
